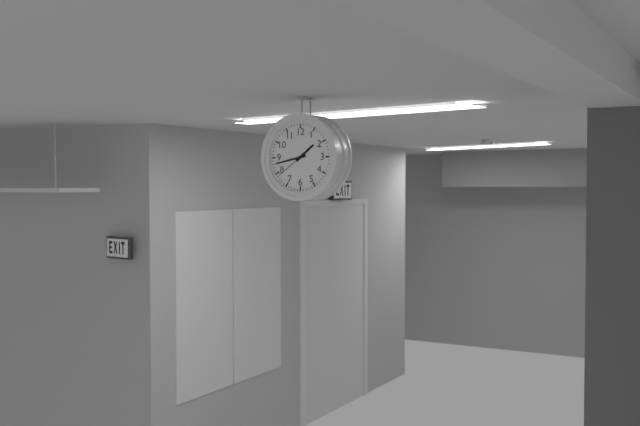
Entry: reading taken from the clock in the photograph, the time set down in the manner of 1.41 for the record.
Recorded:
1.43
